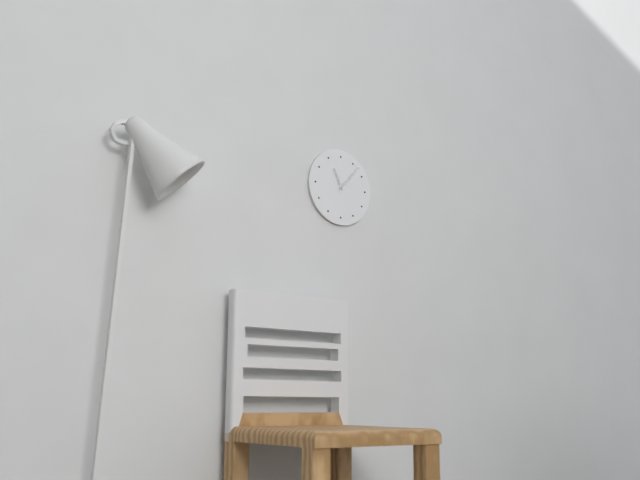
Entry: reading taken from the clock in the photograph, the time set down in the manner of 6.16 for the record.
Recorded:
11.07
